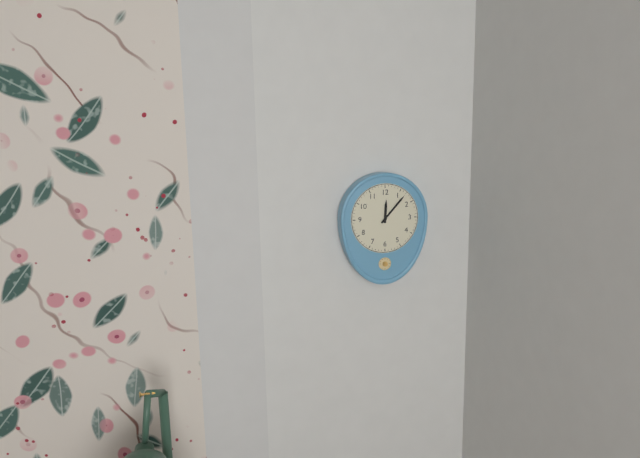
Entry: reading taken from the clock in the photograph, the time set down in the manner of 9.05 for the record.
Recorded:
12.07
